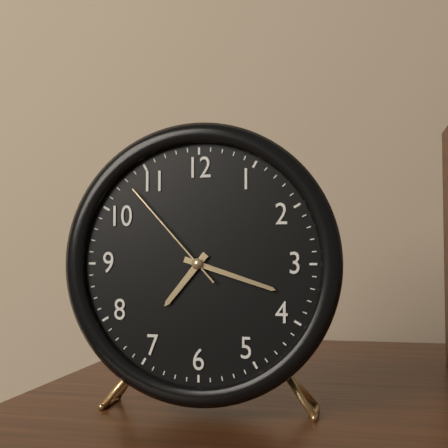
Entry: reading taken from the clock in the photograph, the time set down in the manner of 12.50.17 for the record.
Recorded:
7.18.53
